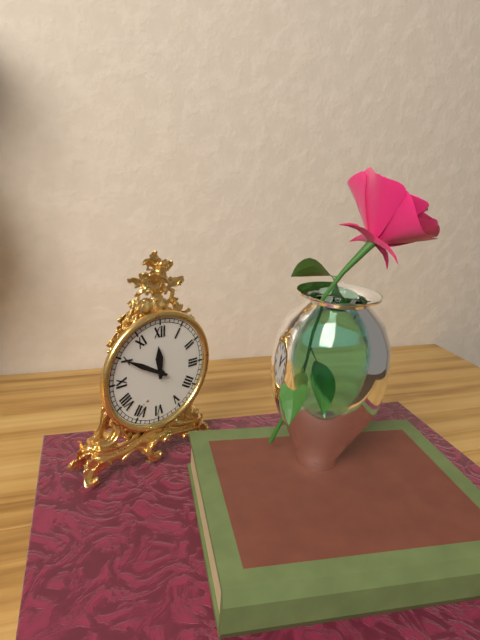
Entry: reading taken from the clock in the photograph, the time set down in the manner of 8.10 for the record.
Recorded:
11.50
